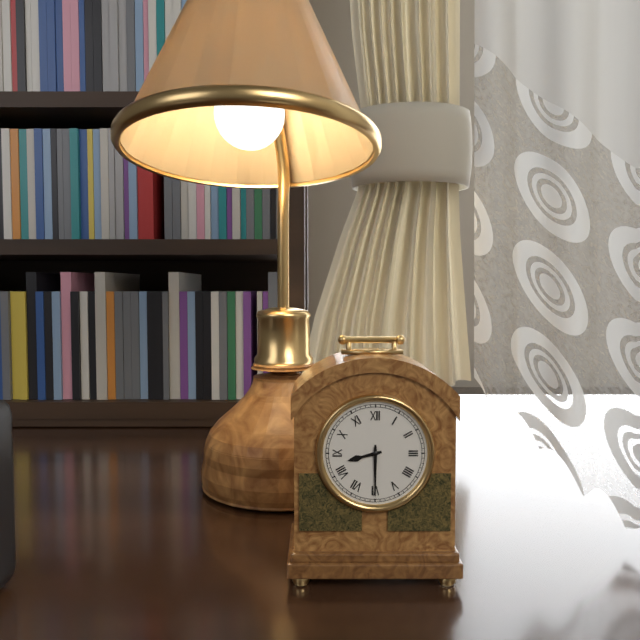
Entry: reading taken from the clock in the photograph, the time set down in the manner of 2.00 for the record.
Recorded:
8.30
